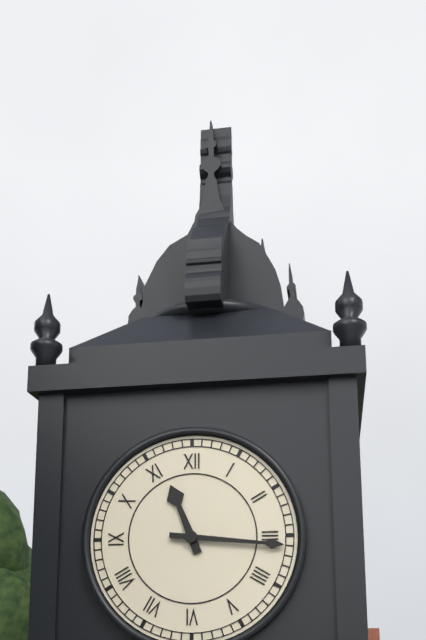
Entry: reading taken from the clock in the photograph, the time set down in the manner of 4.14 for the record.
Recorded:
11.16
